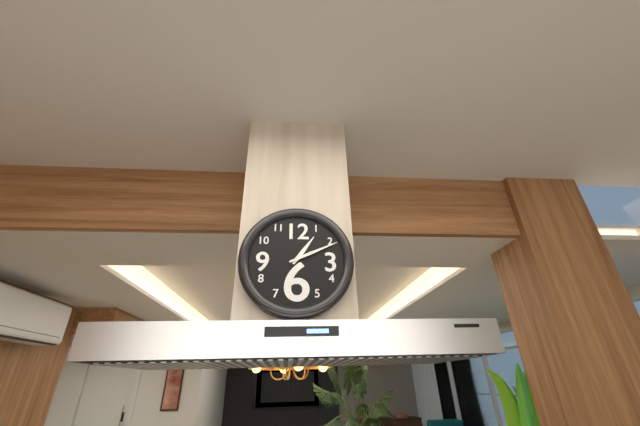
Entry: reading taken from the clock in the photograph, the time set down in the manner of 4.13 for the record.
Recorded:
1.11
